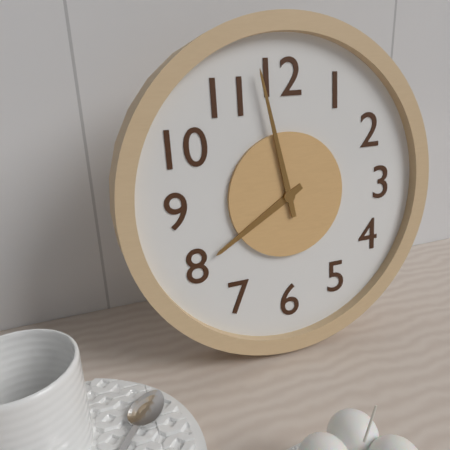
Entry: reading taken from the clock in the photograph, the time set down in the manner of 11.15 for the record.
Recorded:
7.58
